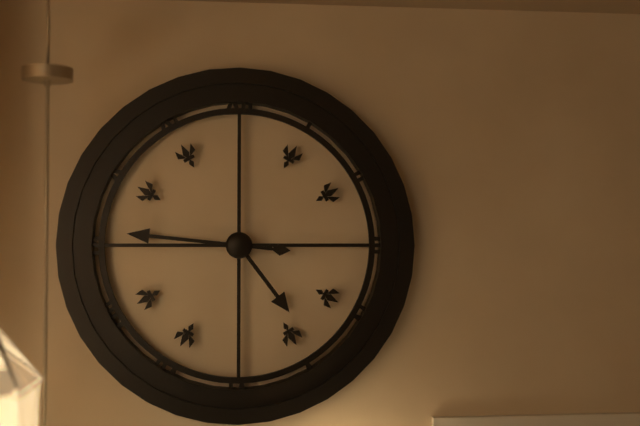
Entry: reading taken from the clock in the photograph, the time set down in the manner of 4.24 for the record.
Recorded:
4.46
